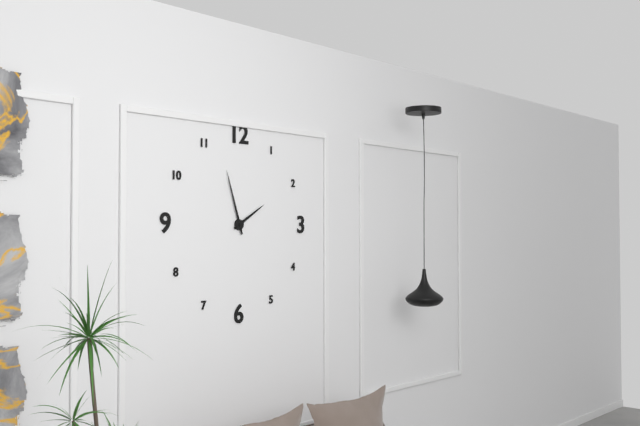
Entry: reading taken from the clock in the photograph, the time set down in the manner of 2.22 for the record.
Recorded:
1.57
